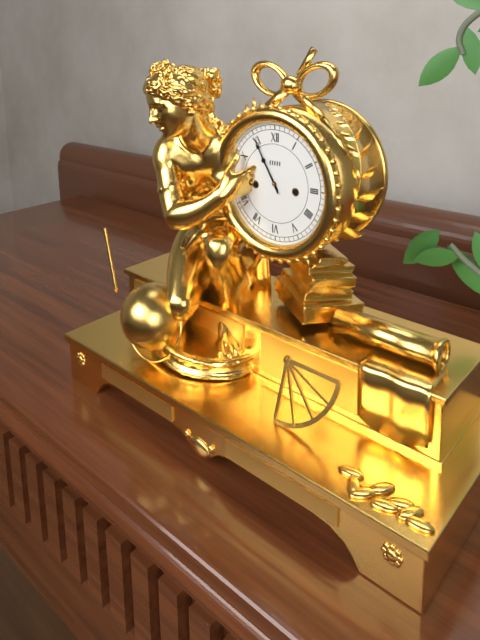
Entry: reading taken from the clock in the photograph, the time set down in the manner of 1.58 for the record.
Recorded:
10.55
